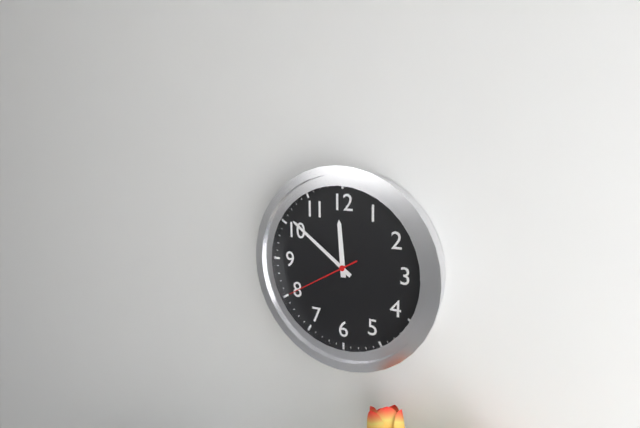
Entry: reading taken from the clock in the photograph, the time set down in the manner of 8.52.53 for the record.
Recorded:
11.51.40
